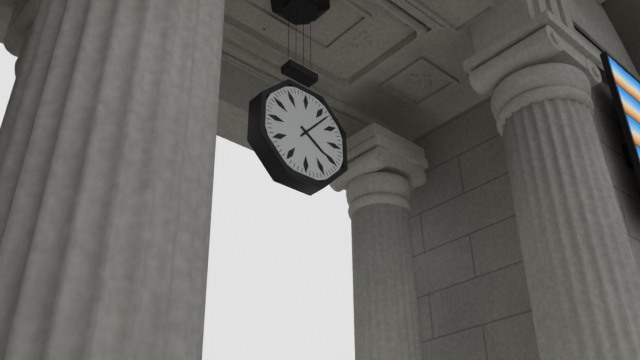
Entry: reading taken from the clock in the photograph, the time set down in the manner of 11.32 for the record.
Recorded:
4.07
